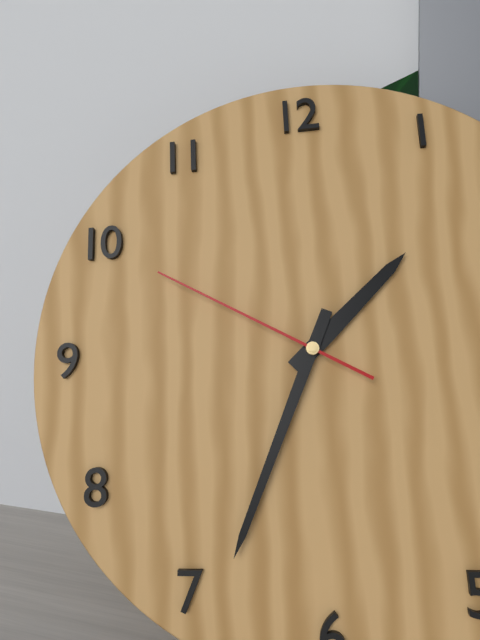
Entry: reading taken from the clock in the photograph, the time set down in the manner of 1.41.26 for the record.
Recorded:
1.34.50
